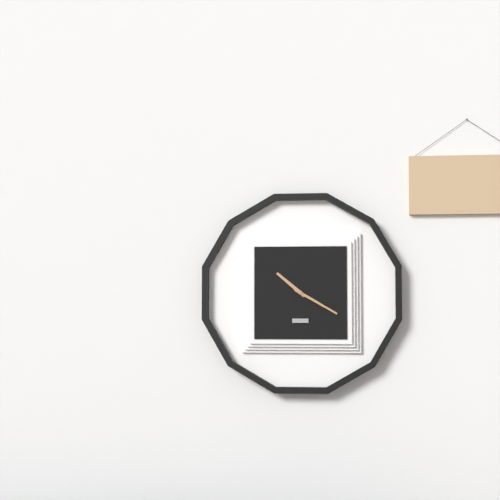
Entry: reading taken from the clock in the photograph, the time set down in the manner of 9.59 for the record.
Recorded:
10.20
